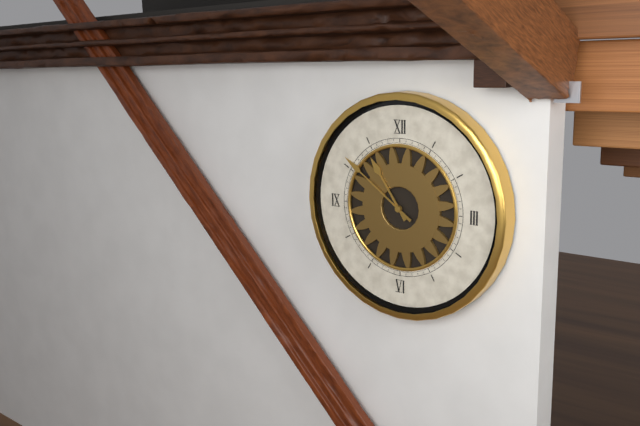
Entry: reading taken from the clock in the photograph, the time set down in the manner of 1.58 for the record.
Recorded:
10.51
